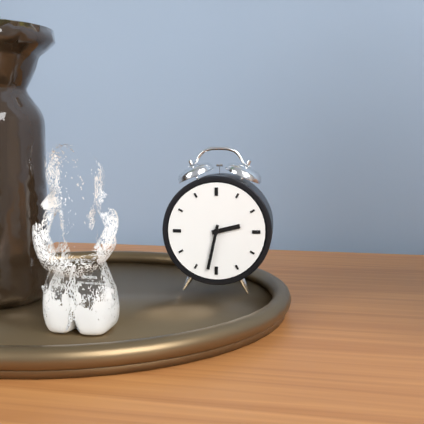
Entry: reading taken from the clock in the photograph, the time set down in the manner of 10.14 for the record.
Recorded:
2.32
